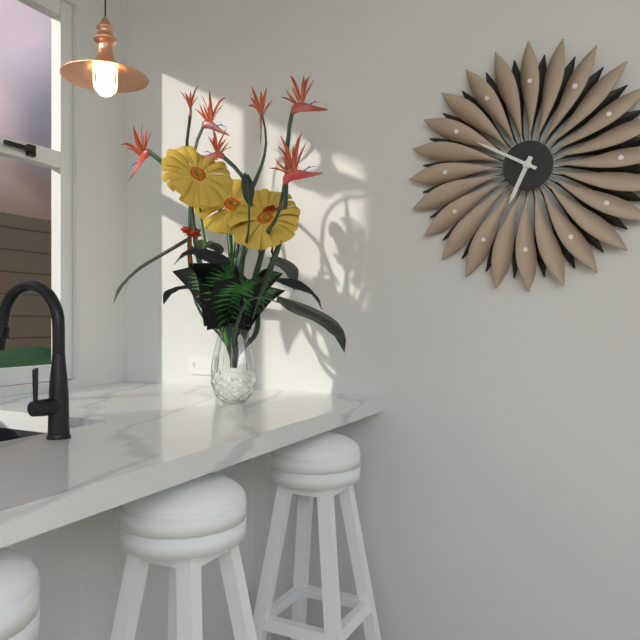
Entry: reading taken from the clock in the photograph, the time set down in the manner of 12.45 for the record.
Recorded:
6.50
